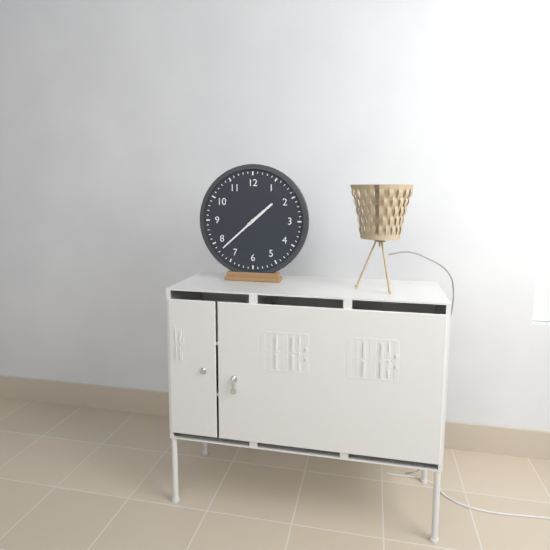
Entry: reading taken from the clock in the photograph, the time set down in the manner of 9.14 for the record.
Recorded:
1.38
